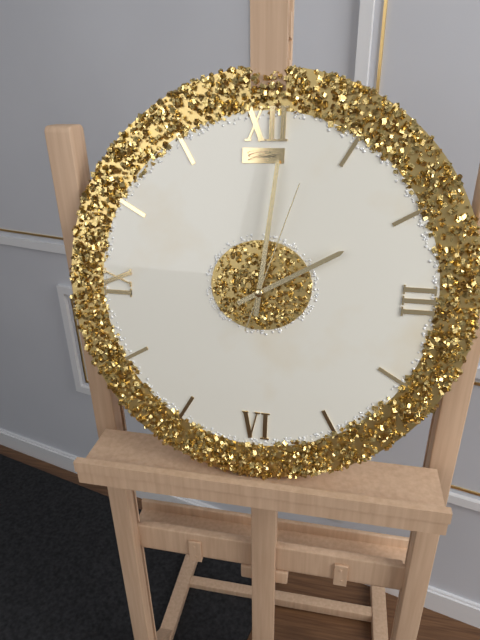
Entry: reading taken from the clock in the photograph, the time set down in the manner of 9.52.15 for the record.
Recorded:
2.01.03
